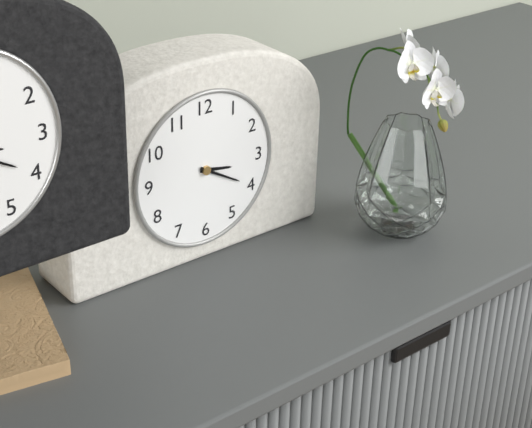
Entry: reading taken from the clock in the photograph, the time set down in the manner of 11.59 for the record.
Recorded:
3.20
